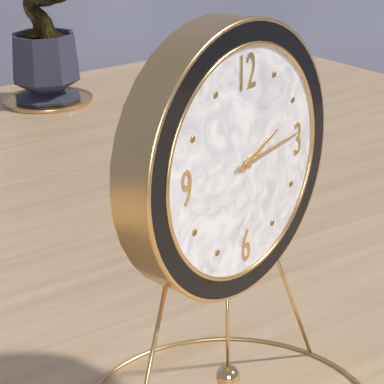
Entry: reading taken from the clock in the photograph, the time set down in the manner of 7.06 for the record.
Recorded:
2.14
